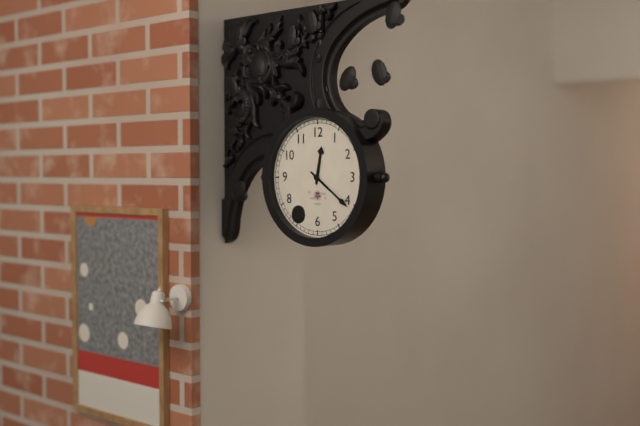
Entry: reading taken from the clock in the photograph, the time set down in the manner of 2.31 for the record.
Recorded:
12.21
